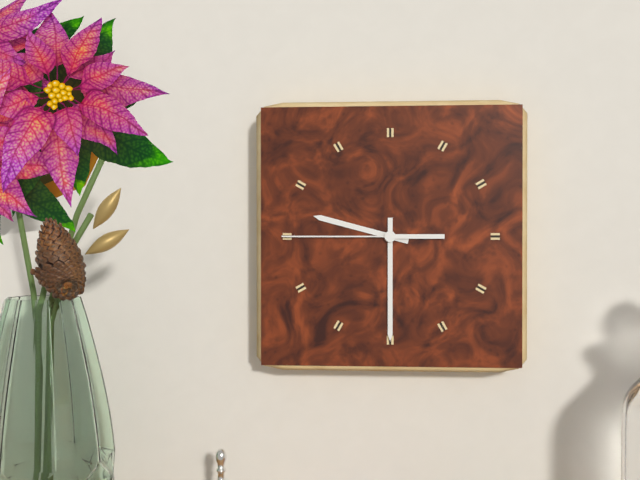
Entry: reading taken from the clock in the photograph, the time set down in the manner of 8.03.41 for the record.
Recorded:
9.30.45
